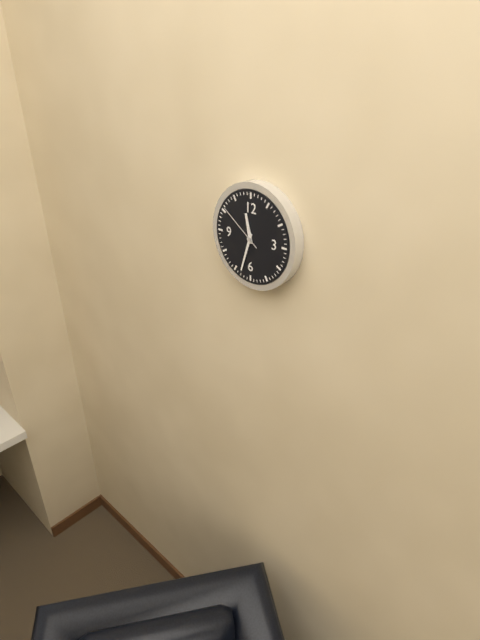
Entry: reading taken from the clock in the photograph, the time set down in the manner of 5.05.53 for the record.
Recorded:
11.33.51
